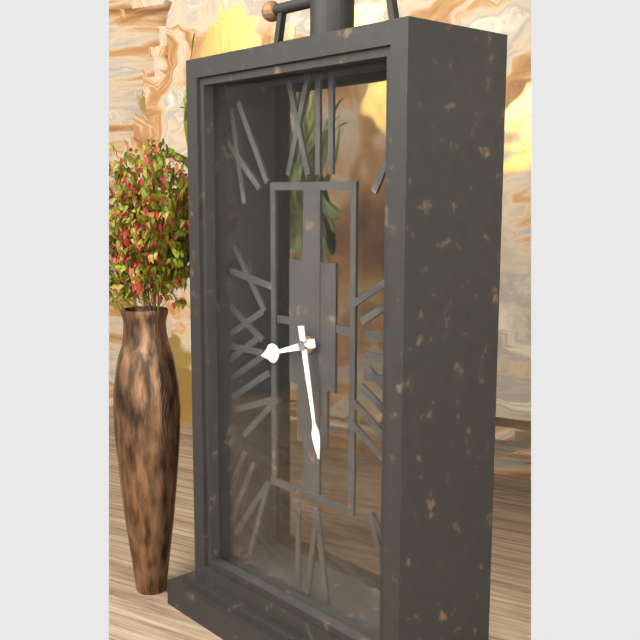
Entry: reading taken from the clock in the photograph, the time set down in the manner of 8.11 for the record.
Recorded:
8.28
